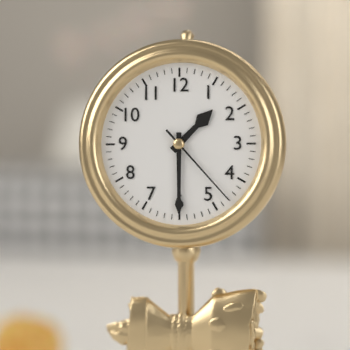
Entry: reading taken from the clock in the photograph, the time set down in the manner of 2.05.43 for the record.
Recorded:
1.30.23
